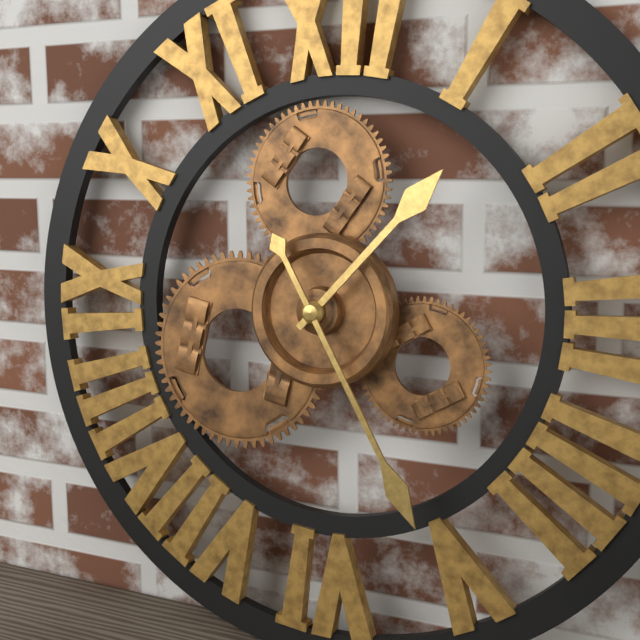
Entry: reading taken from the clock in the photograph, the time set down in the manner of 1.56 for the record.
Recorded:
1.25
